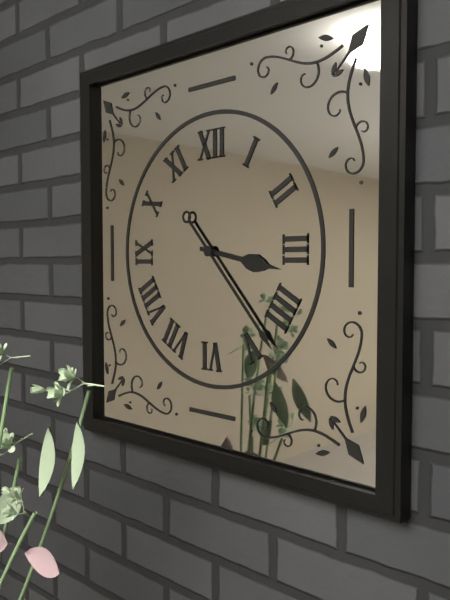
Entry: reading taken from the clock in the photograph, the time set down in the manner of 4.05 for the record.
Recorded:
3.23
